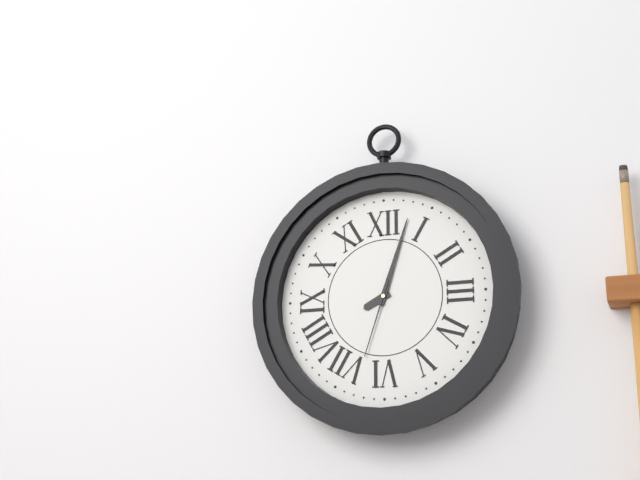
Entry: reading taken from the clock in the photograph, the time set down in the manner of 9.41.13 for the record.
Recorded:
8.03.33
